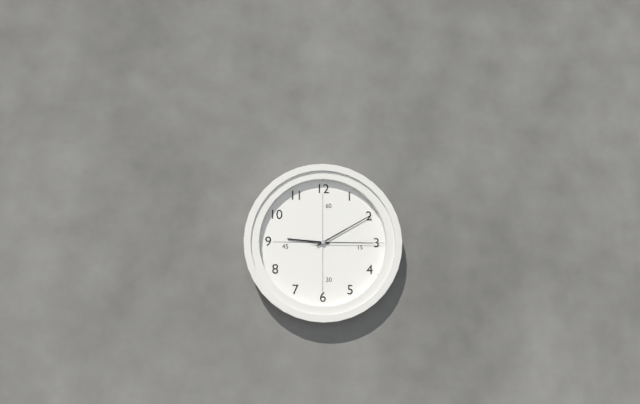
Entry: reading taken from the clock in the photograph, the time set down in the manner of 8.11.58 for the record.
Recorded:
9.10.15
